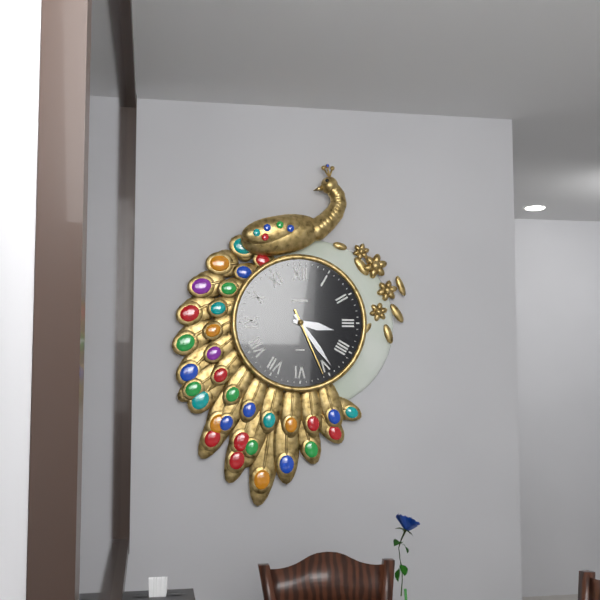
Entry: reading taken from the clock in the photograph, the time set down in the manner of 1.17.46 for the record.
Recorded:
3.24.26
